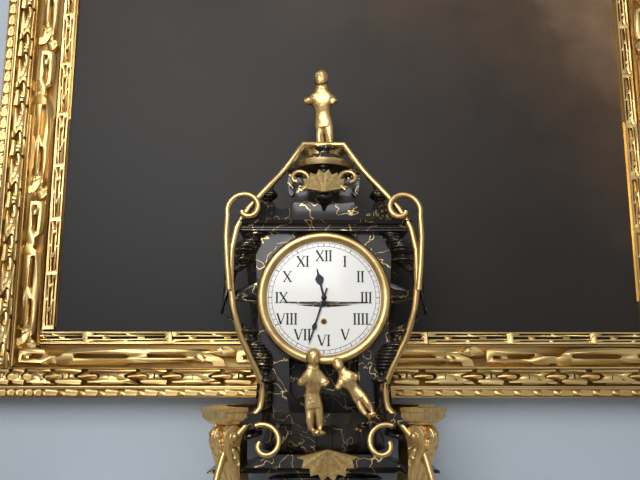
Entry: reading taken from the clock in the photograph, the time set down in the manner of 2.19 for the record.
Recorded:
11.33
